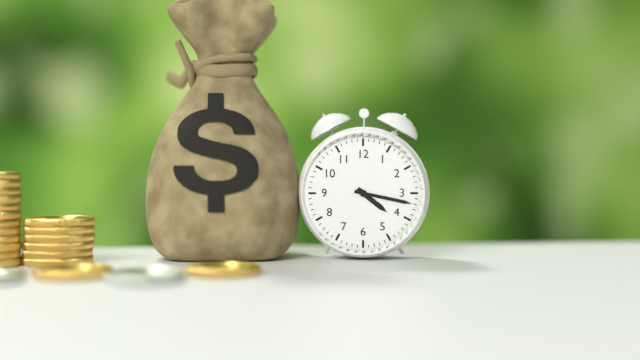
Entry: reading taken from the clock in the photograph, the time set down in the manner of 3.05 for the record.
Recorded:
4.17
